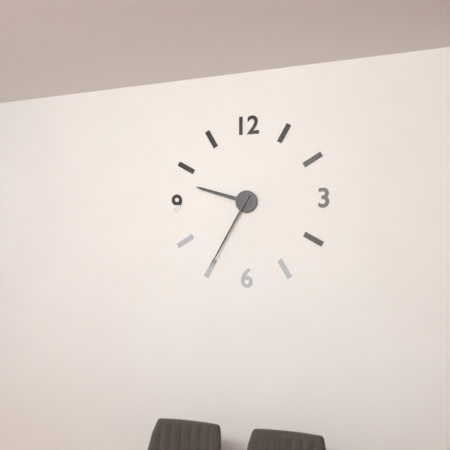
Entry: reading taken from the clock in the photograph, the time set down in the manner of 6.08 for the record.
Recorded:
9.35
